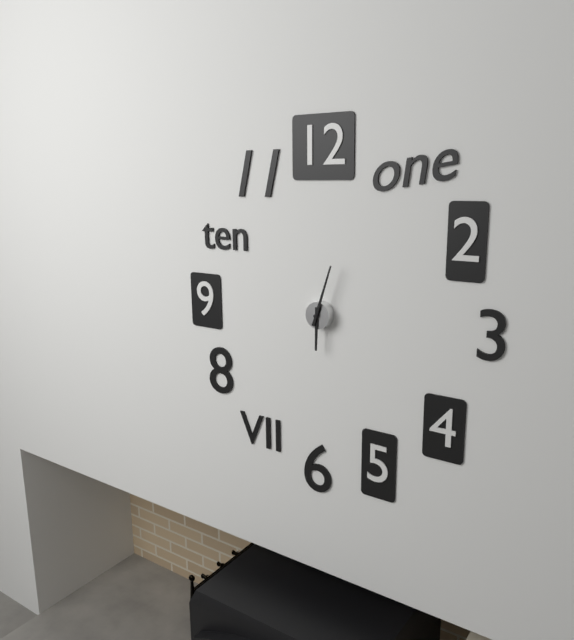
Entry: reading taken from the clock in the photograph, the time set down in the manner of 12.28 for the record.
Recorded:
6.03
